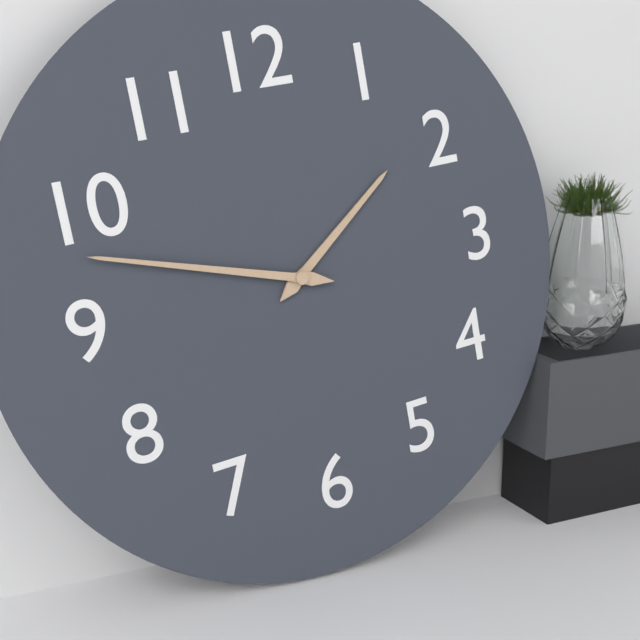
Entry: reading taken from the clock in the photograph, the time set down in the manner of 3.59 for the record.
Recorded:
1.48
